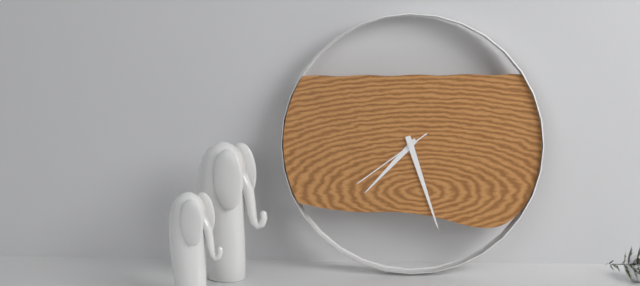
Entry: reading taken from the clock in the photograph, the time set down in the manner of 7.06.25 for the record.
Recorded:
7.27.39
